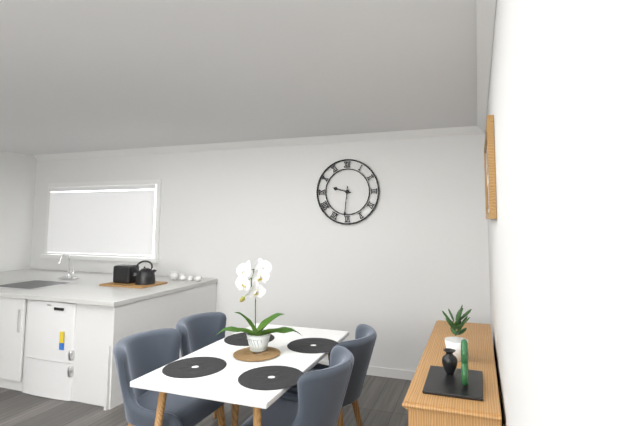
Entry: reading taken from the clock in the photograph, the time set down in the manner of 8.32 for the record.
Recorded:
9.31
